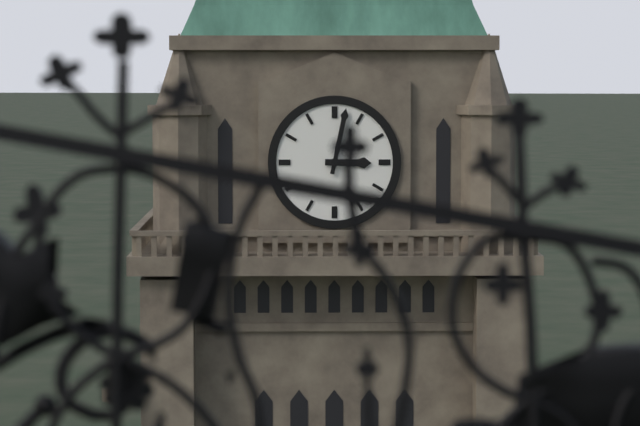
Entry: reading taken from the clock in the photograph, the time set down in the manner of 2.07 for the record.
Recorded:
3.02
